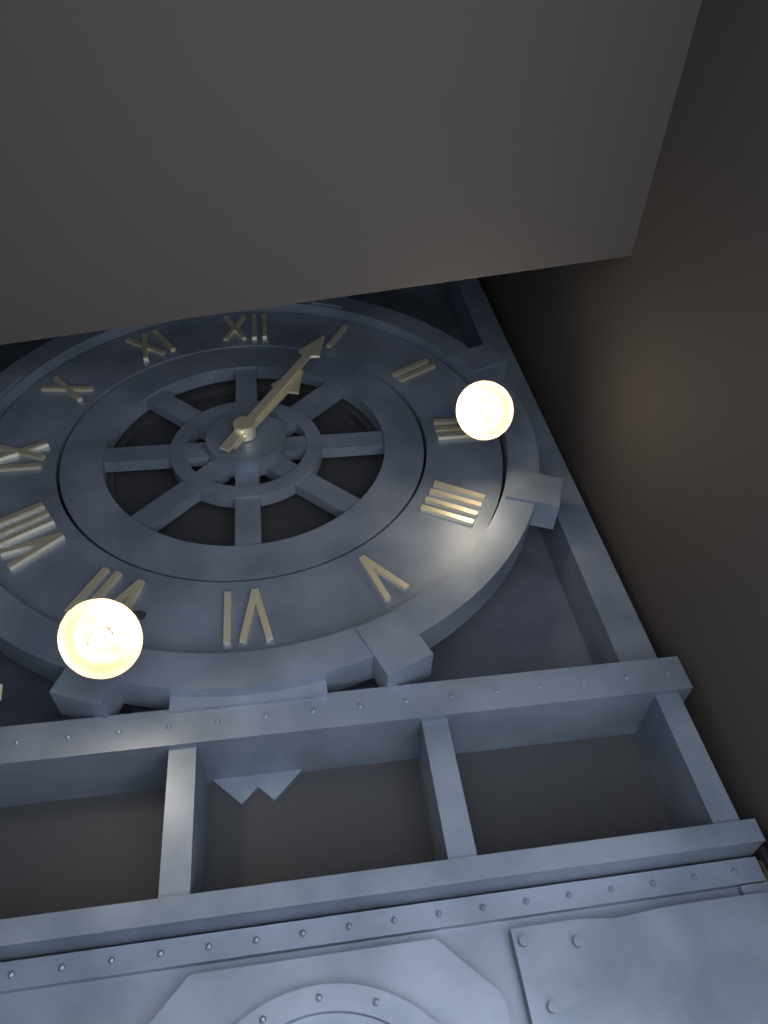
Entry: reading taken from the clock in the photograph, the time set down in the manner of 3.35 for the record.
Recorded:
1.05
